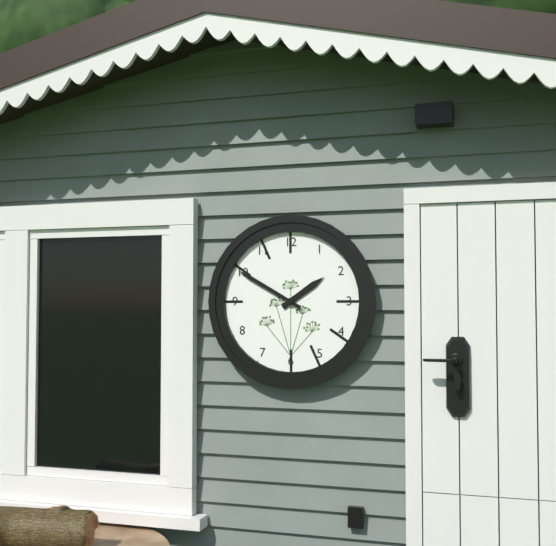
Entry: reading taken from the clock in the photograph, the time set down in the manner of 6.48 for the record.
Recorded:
1.50
